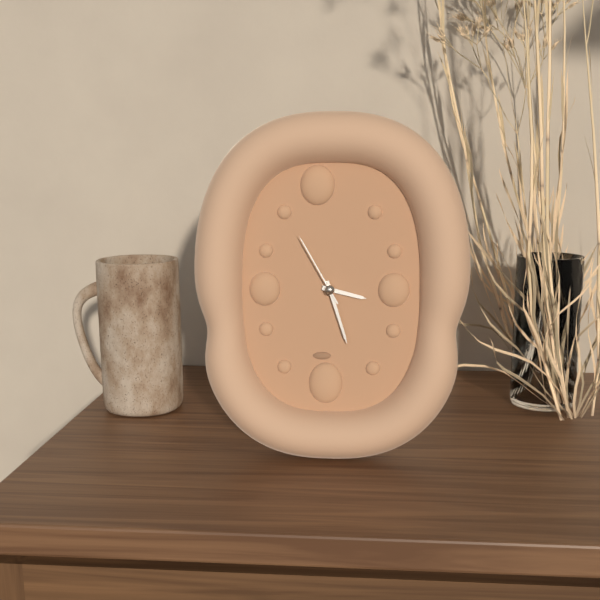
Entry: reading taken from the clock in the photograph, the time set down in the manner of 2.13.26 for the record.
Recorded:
3.27.55
